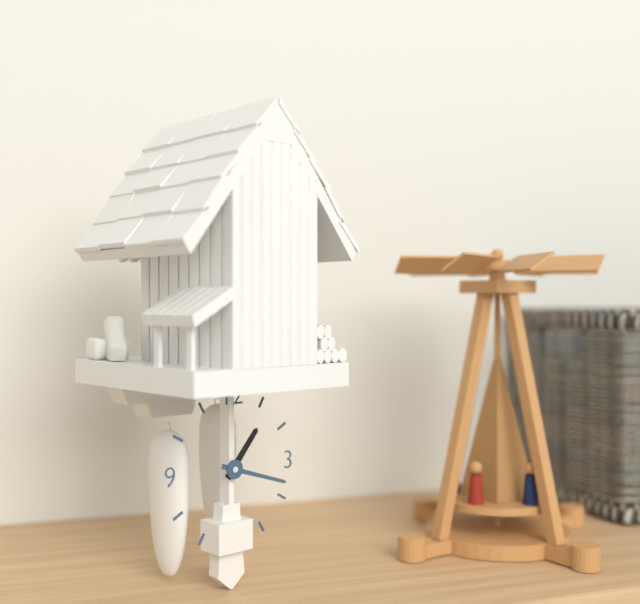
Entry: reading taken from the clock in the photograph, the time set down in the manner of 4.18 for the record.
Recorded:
1.18
